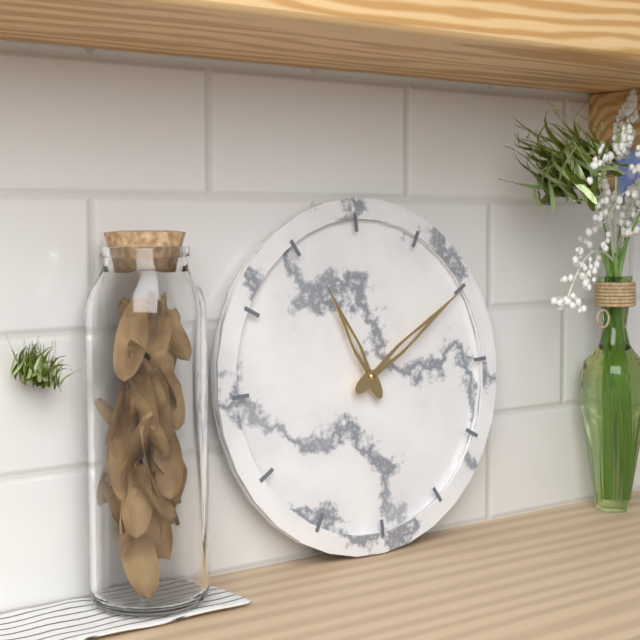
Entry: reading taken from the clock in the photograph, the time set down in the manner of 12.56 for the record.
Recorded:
11.10
